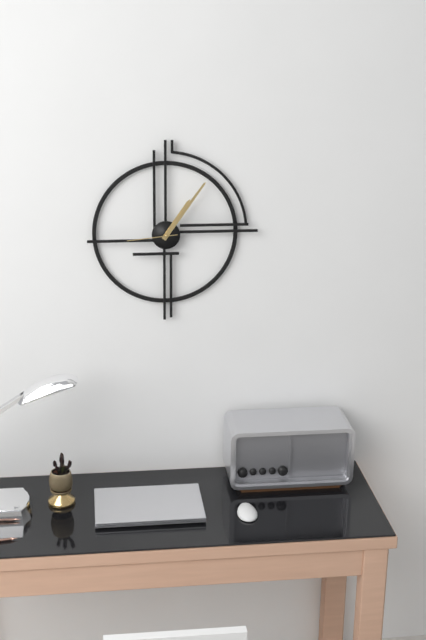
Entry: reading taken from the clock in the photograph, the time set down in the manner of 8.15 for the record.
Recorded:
1.06
